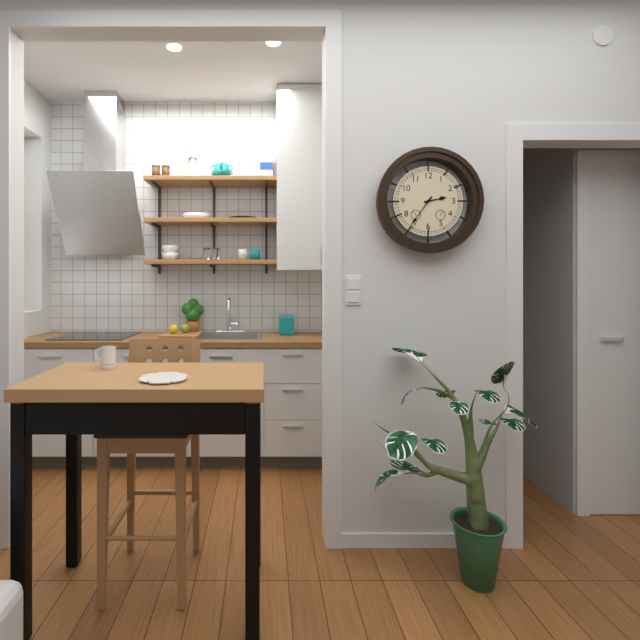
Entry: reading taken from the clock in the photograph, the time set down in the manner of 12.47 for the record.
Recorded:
2.36
